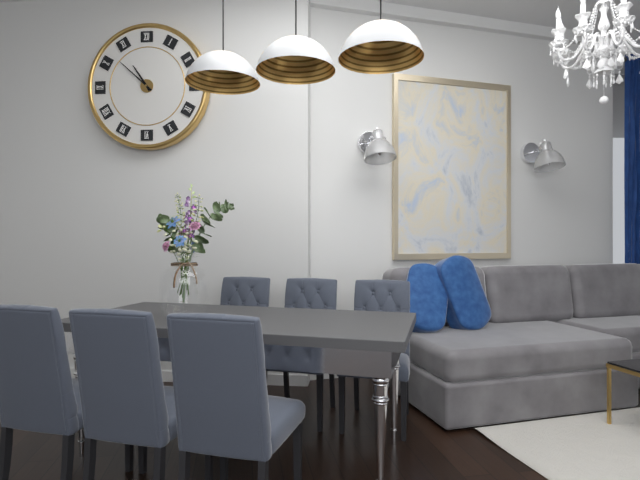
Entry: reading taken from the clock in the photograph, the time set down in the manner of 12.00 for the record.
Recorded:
10.52
